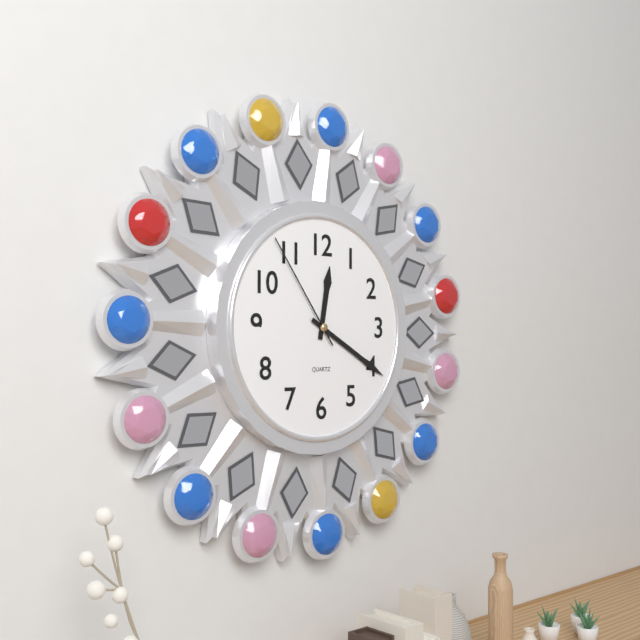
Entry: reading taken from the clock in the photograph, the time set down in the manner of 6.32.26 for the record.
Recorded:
12.20.54
